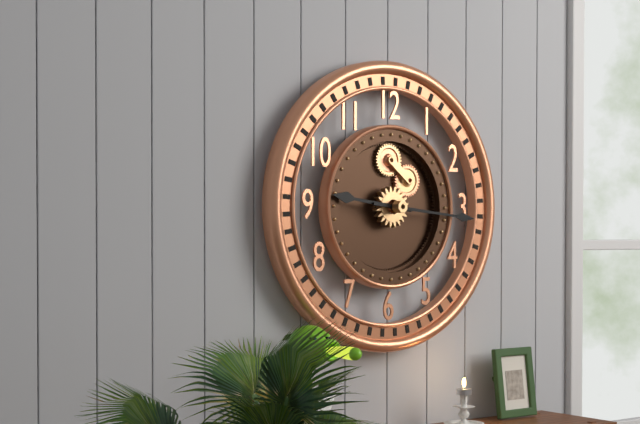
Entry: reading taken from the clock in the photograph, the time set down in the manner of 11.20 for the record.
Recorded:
9.16
